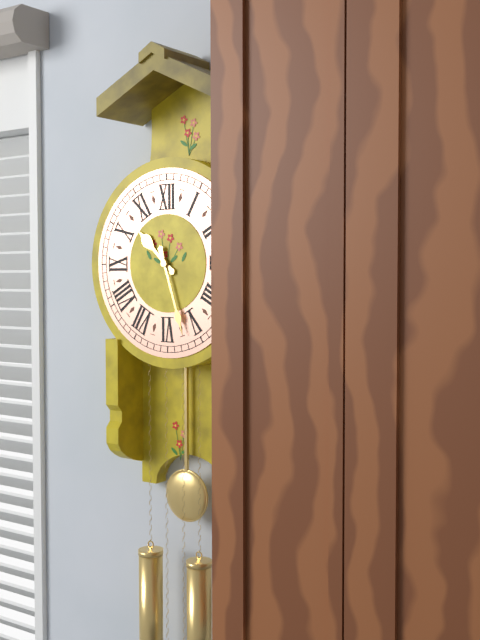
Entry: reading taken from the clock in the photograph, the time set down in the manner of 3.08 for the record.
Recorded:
10.27
